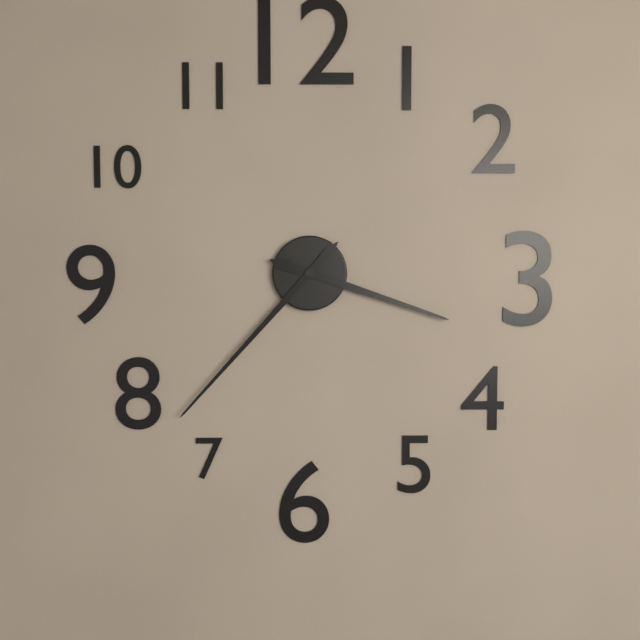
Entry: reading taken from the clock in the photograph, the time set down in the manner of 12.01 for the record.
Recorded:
3.37
